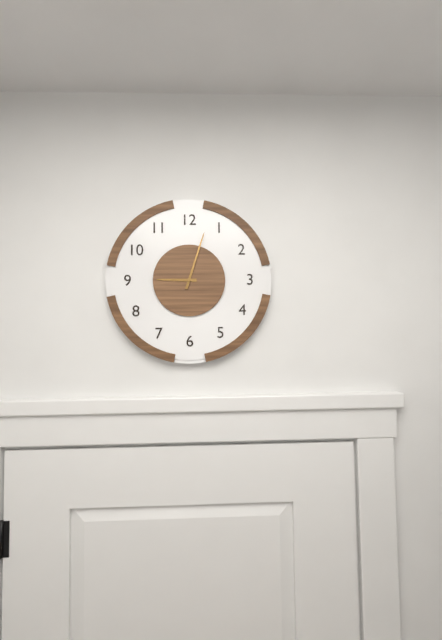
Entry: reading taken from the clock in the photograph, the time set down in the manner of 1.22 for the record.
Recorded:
9.03
